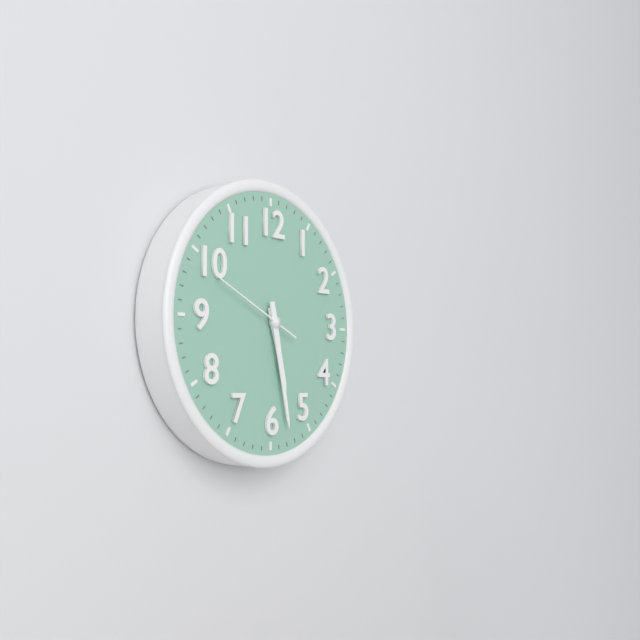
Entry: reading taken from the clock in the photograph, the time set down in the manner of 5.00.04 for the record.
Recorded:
5.28.49
